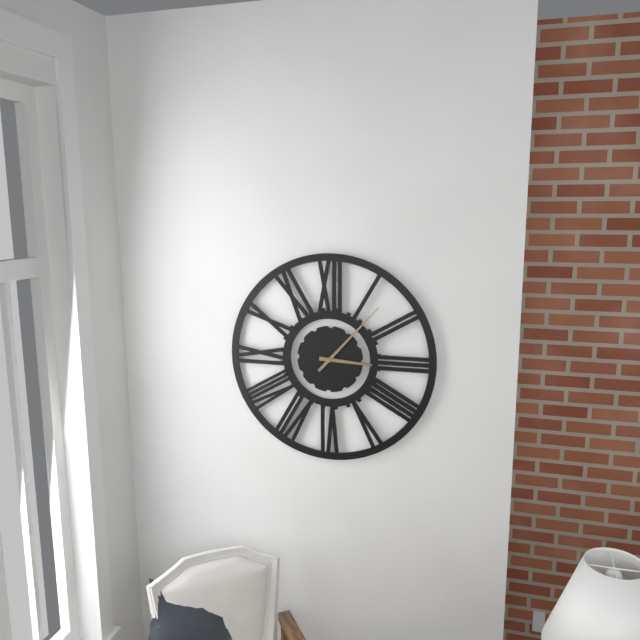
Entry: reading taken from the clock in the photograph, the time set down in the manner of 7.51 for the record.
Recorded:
3.07
